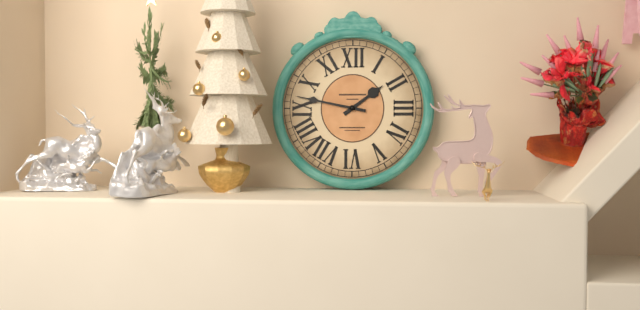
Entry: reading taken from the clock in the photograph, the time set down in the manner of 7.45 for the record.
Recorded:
1.47
